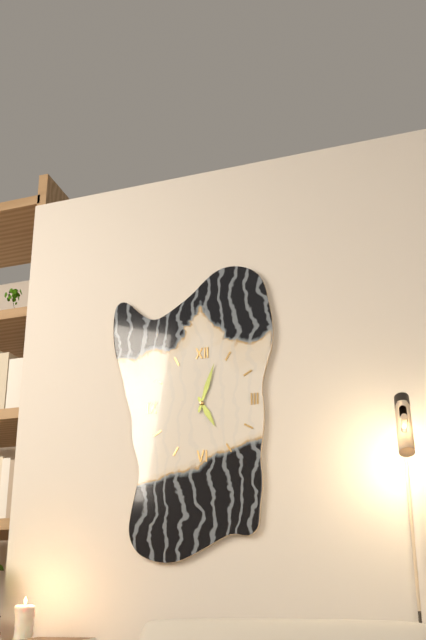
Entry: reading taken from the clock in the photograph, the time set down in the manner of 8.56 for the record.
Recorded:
5.03
